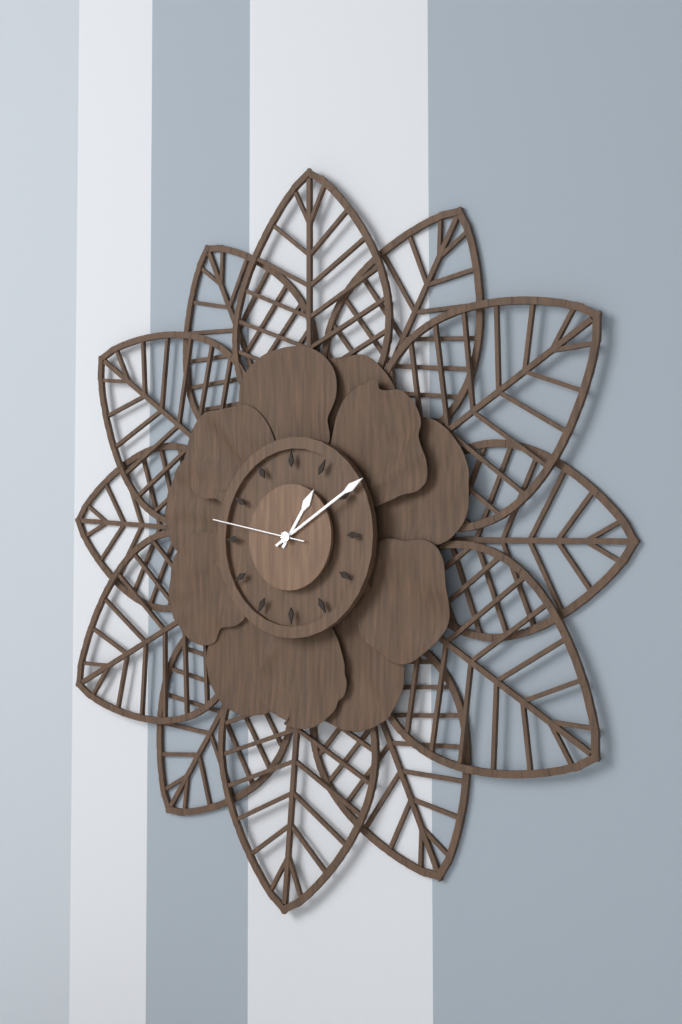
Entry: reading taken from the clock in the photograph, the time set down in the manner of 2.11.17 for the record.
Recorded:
1.10.47
